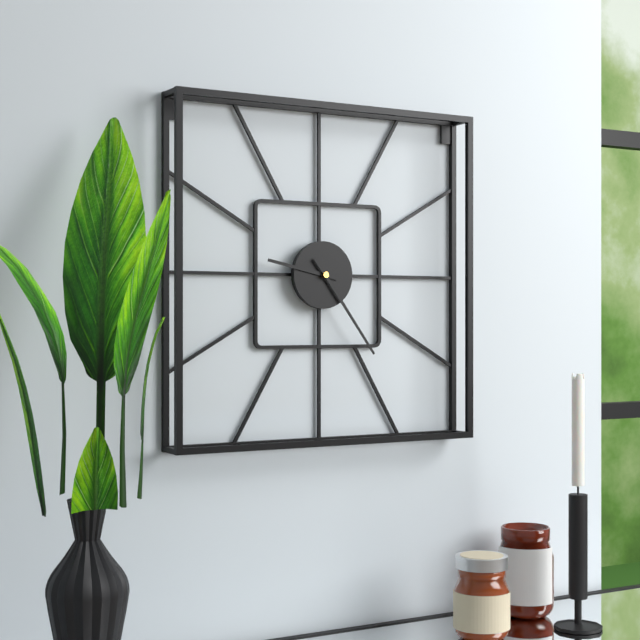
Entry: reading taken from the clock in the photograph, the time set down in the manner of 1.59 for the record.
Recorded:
9.24
